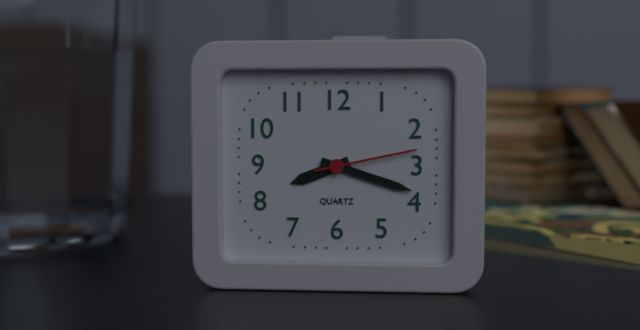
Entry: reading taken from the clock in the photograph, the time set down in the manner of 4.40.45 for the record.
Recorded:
8.18.13
